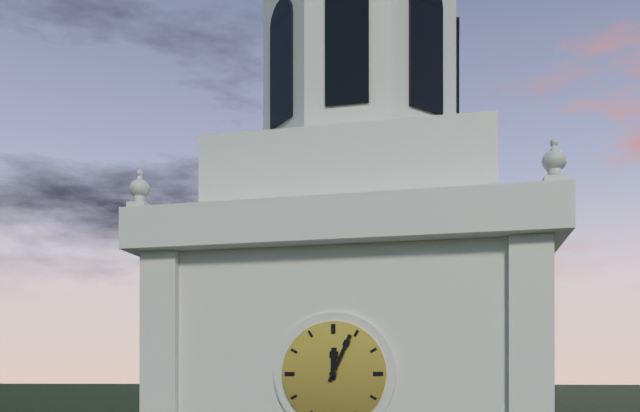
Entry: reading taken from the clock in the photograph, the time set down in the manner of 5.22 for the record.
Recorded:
12.04
